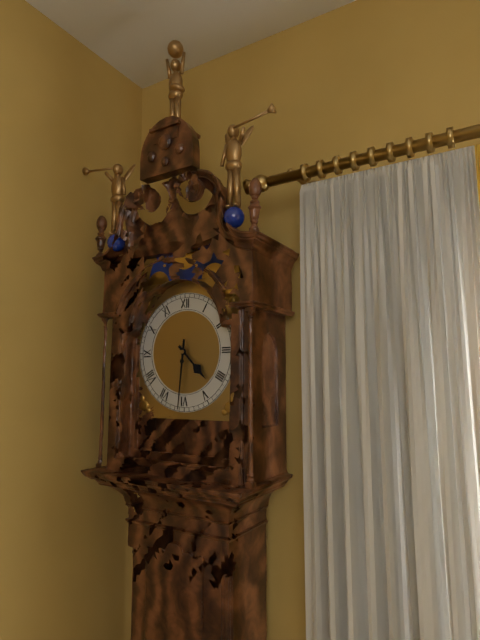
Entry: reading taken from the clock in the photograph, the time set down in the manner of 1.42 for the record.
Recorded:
4.31
